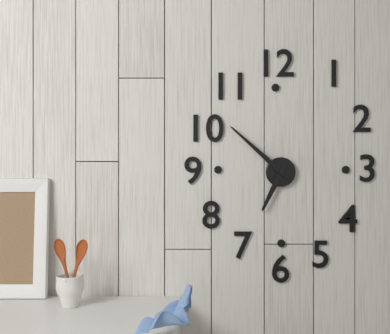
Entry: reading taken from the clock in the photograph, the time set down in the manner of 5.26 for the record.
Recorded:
6.52
